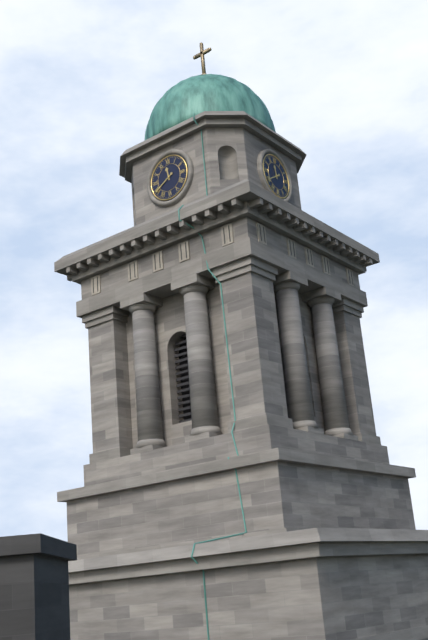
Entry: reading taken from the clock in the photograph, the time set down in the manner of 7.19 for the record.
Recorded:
11.40
